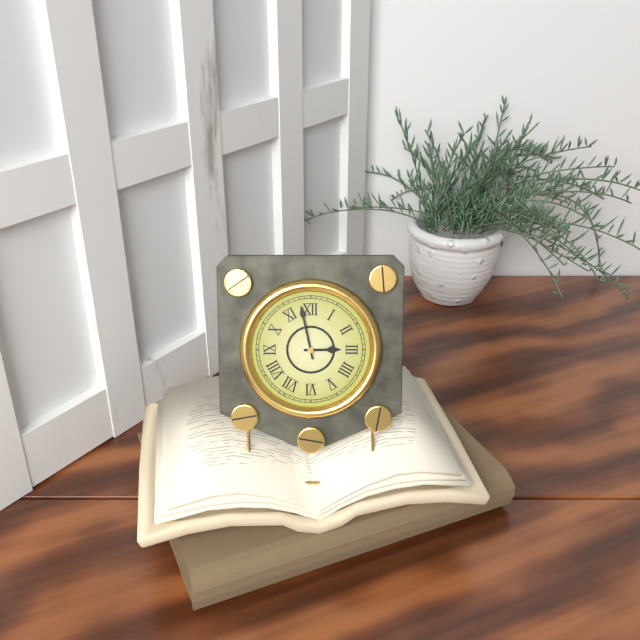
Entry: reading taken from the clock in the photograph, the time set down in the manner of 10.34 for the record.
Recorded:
2.58
